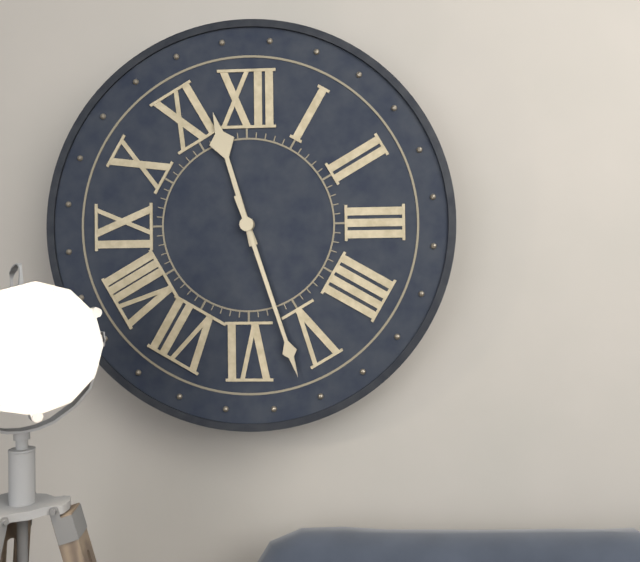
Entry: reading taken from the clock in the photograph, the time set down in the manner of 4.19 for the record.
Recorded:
11.27
